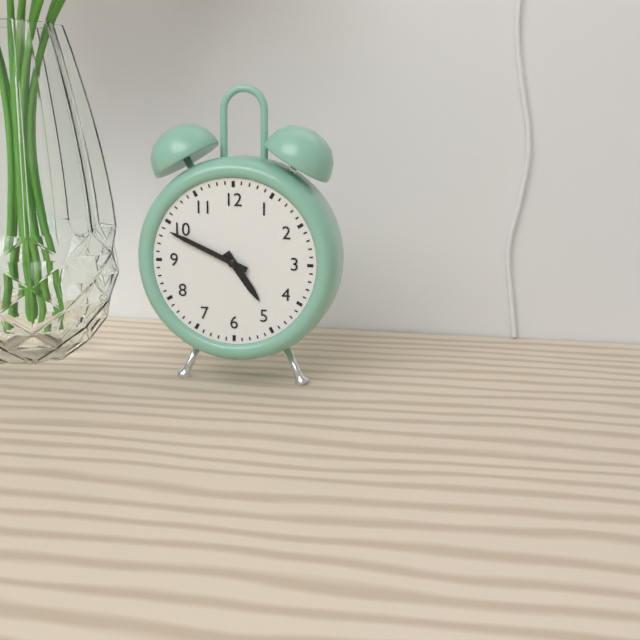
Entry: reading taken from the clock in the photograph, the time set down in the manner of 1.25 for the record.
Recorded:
4.49
